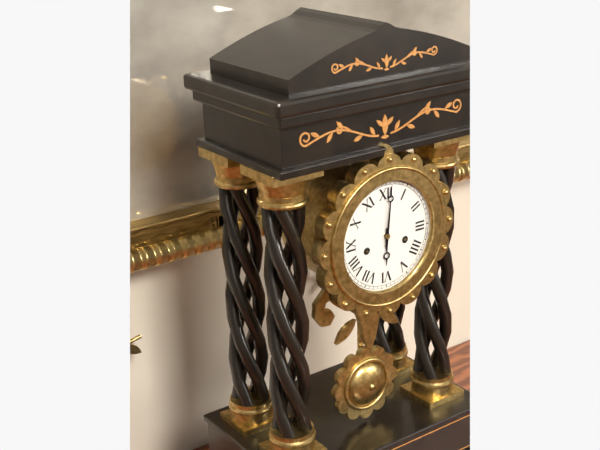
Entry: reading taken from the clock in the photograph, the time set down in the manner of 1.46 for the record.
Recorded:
6.01
